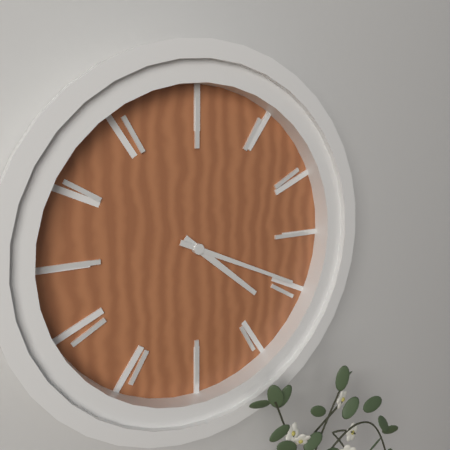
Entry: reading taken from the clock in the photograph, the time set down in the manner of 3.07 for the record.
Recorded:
4.19
